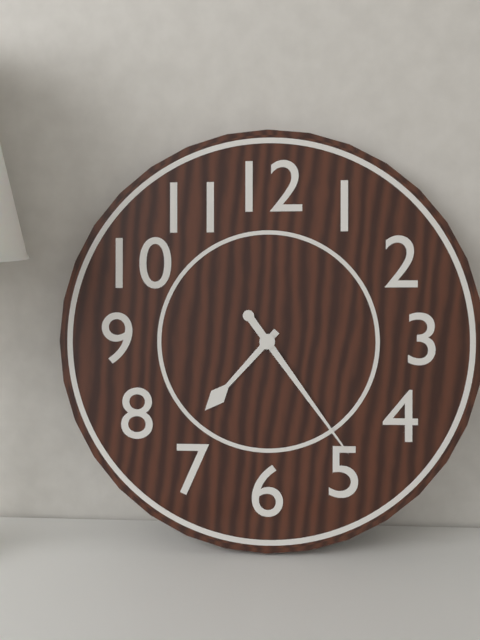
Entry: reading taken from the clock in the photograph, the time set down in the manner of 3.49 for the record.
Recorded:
7.24
